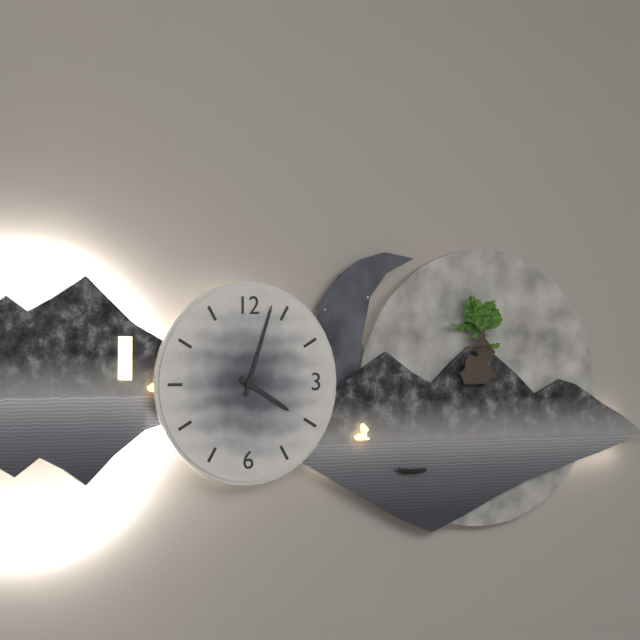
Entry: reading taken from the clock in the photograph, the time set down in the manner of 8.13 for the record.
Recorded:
4.03
